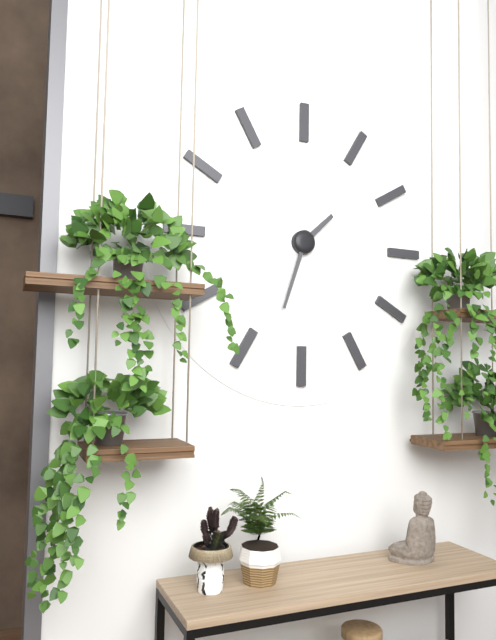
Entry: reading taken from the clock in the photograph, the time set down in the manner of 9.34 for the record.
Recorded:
1.33
